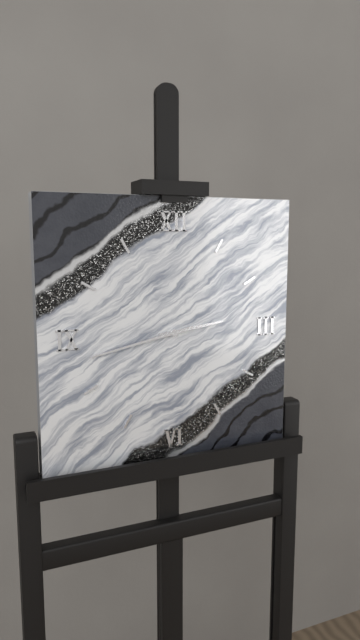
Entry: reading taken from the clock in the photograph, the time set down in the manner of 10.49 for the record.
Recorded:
2.43
